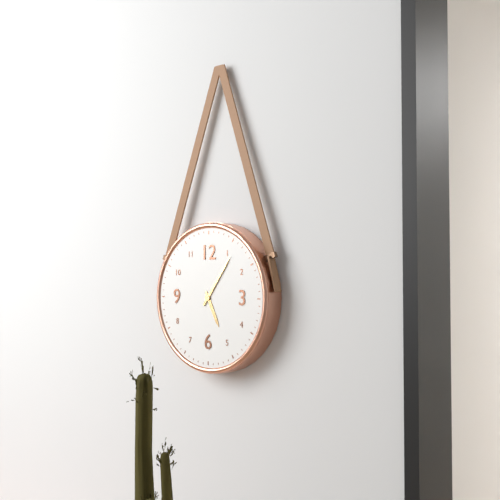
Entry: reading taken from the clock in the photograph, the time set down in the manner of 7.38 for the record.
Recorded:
5.06
